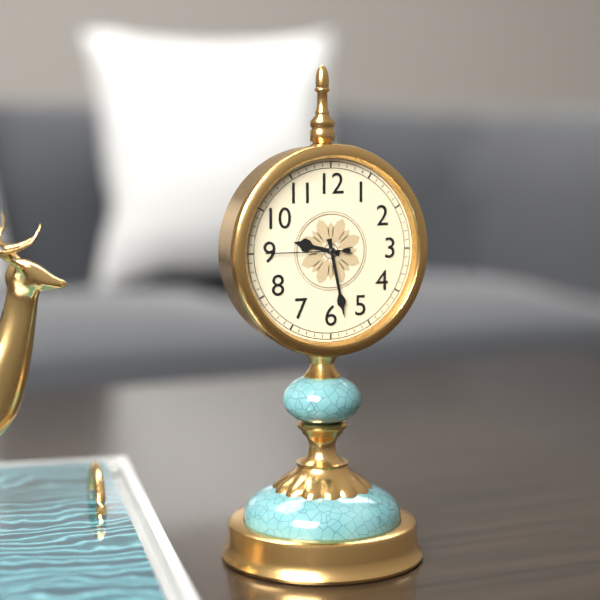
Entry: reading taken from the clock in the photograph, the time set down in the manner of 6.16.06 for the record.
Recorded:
9.28.45
